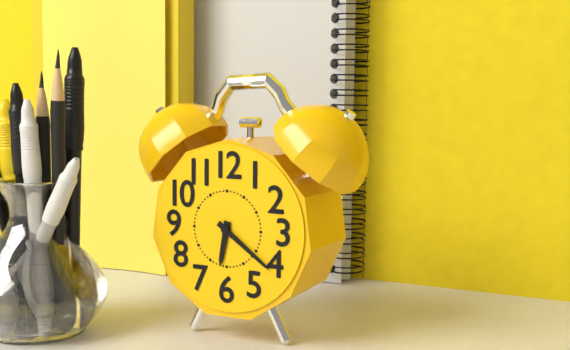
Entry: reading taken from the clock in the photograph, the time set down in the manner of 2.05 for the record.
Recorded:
6.21
